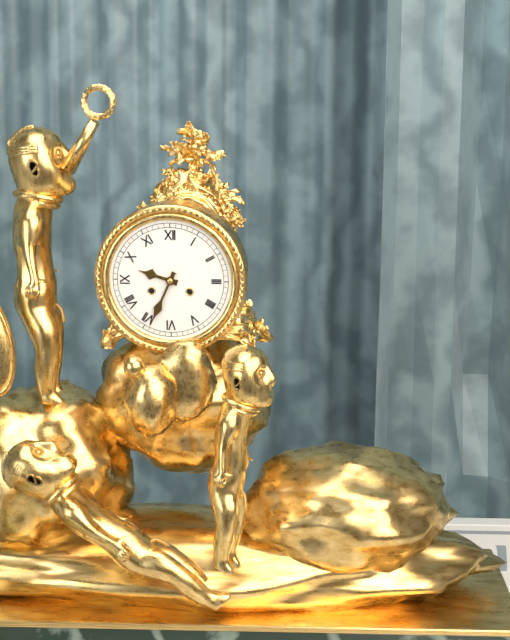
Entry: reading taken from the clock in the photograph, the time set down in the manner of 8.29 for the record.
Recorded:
9.34
